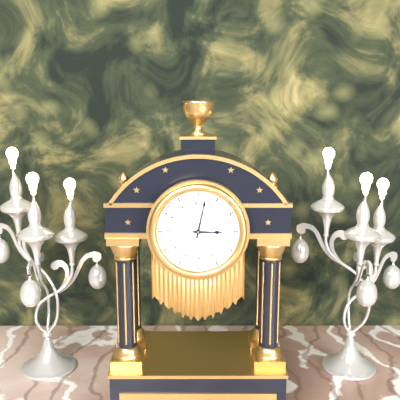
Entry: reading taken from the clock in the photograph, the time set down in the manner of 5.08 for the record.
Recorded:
3.02
